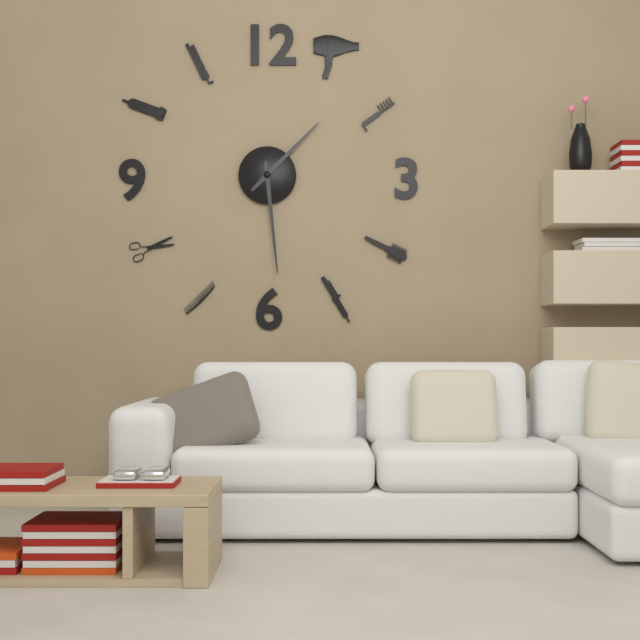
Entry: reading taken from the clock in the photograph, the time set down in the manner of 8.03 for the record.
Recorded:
1.29
